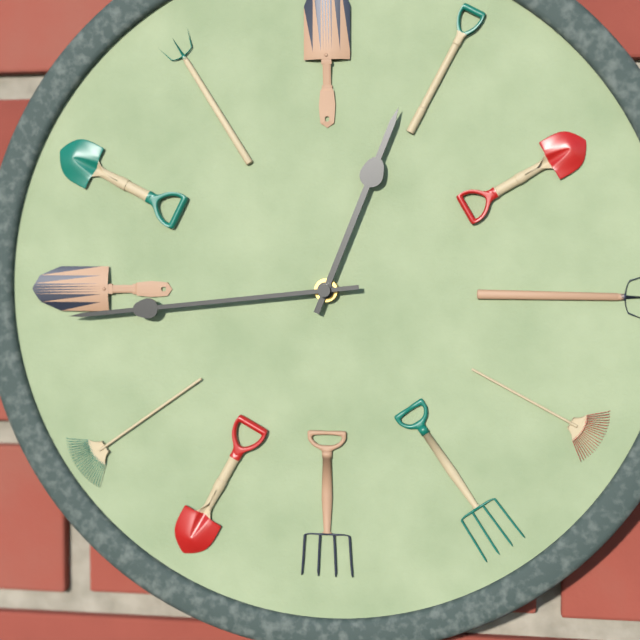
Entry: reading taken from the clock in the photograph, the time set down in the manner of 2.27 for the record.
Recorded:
12.44
